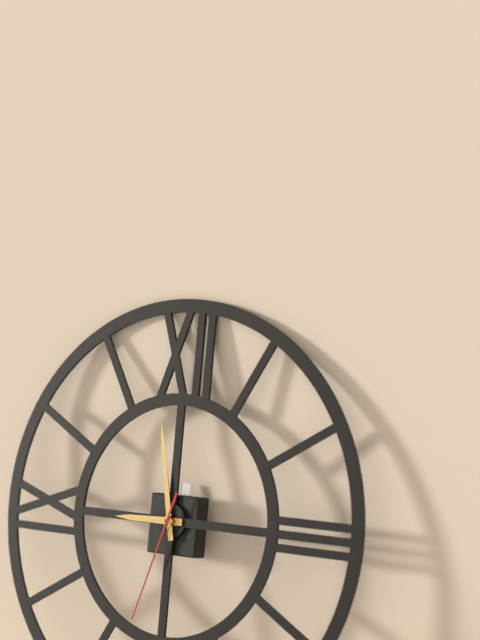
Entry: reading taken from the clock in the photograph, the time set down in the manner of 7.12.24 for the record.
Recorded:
8.58.33
